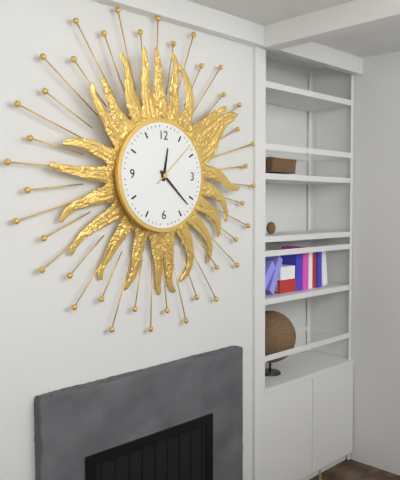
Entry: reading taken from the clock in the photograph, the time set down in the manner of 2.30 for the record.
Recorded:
12.22
